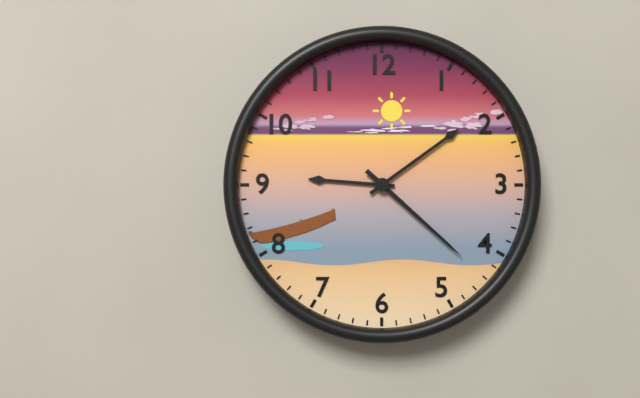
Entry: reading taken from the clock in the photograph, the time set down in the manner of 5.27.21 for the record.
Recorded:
9.09.22
